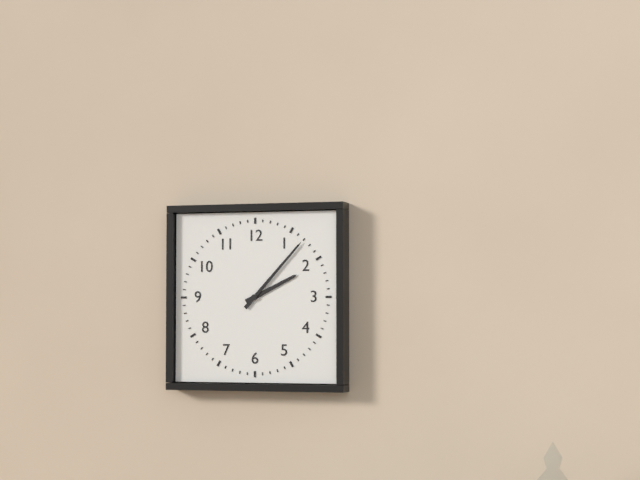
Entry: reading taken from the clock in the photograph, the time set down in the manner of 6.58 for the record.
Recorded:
2.07
